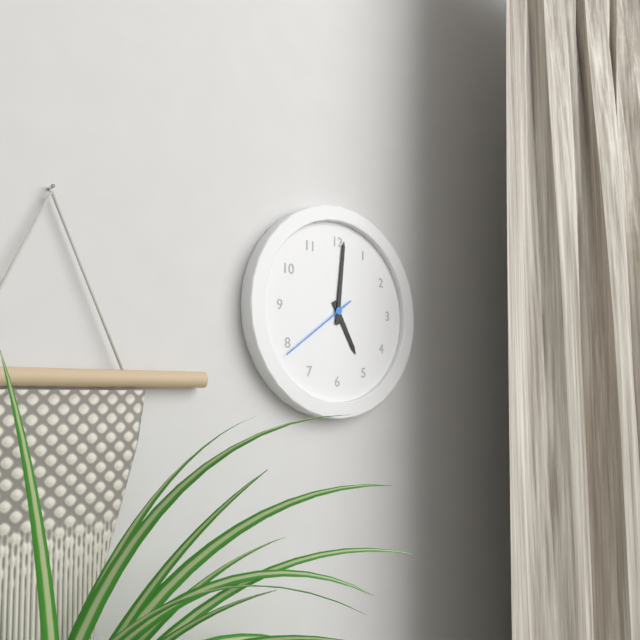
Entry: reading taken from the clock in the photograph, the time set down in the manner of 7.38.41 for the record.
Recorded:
5.01.39
